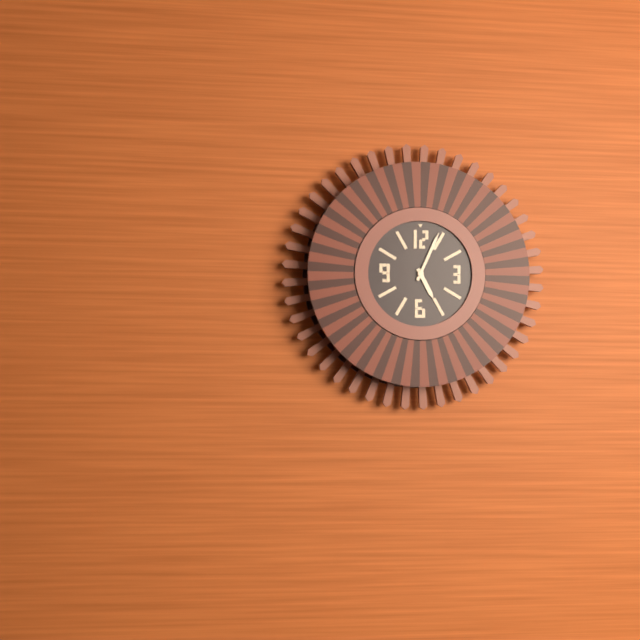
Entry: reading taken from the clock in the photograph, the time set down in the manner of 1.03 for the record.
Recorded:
5.04
